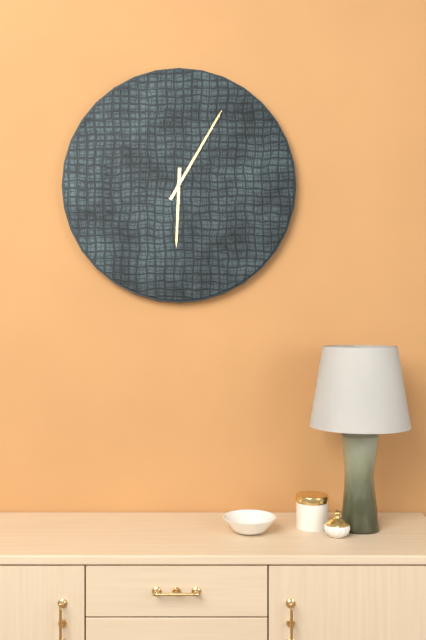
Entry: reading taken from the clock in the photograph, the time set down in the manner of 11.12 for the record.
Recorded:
6.05
